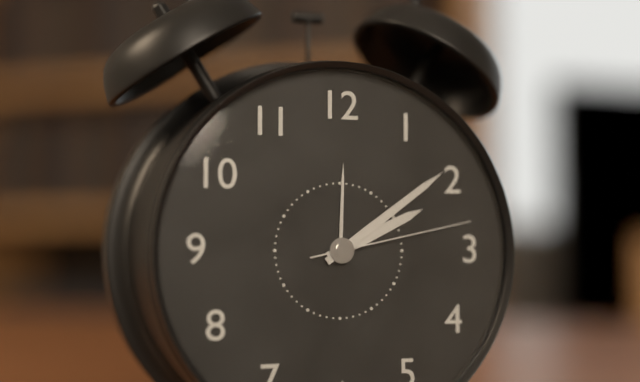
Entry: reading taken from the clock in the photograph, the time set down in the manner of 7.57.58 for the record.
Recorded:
2.09.13
